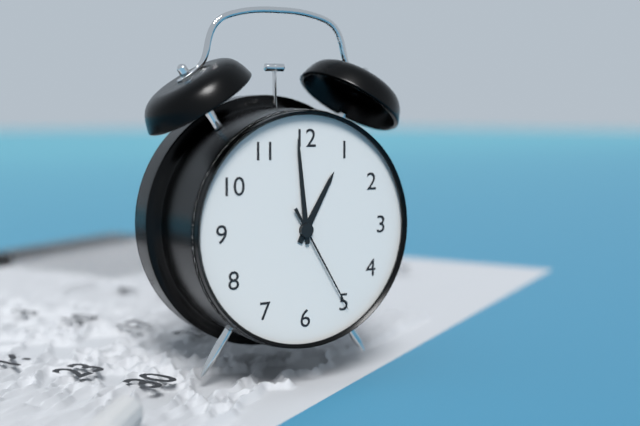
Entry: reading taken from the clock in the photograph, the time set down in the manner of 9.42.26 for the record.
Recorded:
12.59.25
